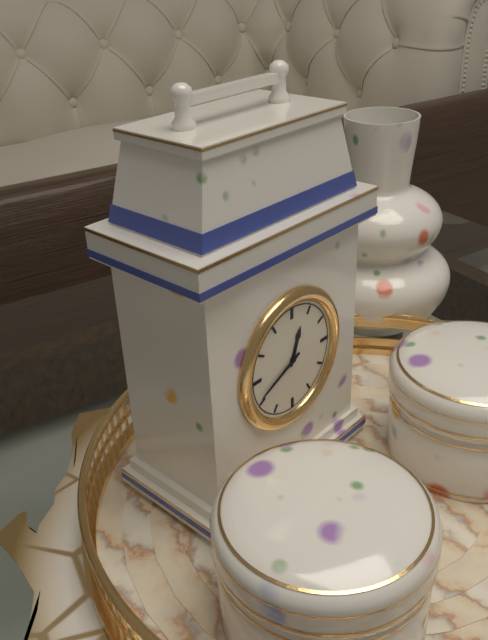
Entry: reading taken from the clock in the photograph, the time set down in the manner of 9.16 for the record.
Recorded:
12.41
